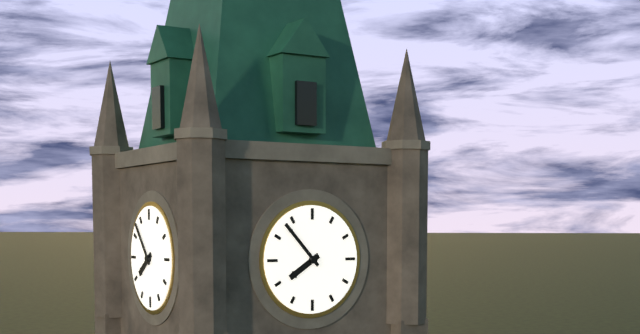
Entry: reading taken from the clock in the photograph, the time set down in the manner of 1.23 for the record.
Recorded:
7.53
